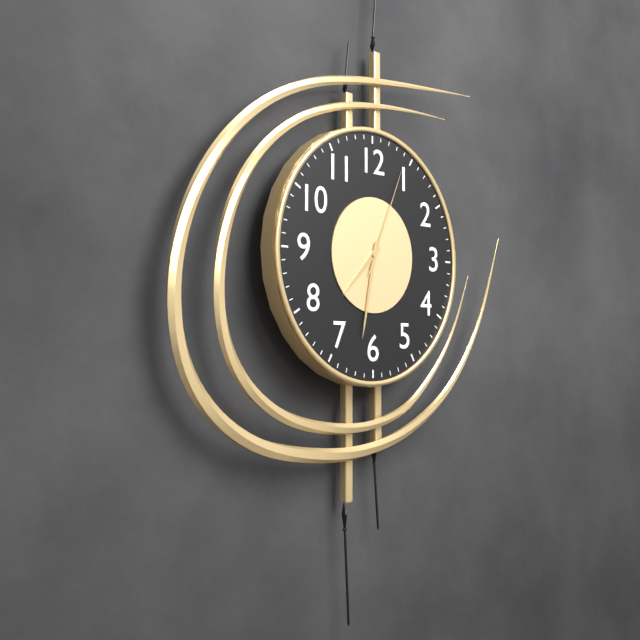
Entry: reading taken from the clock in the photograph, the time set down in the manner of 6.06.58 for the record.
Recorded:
7.32.04
